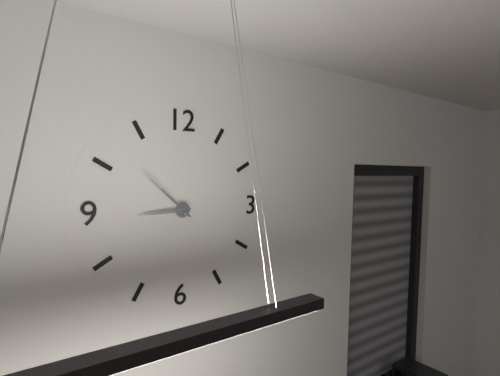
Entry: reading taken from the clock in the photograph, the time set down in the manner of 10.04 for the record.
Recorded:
8.52
